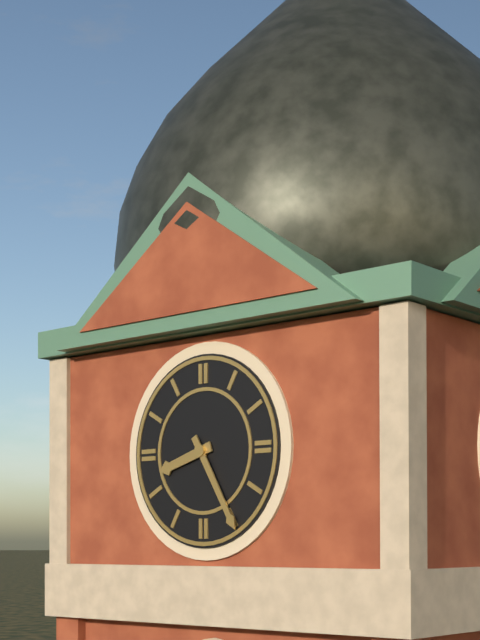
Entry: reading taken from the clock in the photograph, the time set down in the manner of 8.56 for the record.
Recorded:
8.25
